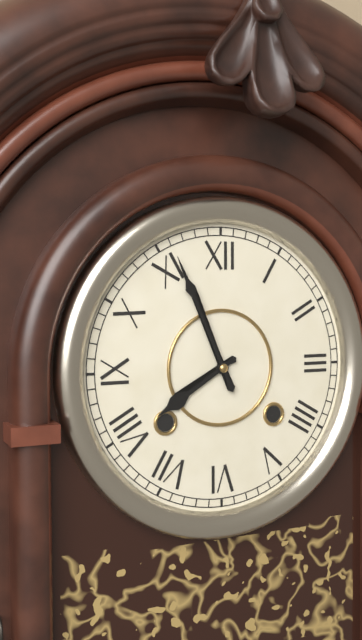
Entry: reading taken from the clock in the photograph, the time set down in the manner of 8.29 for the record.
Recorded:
7.56
